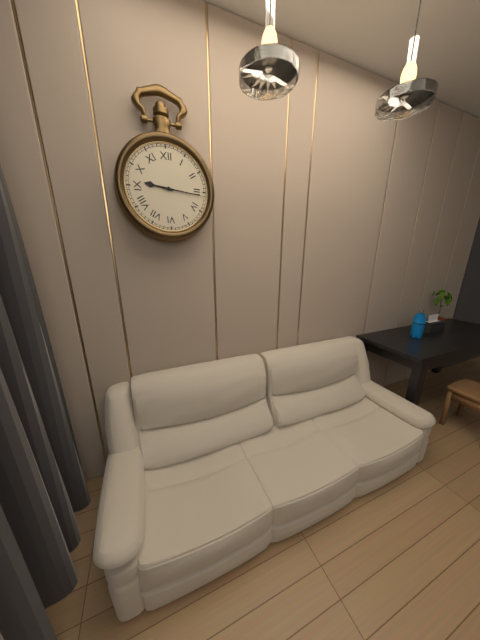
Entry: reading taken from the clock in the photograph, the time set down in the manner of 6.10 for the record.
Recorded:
9.16
